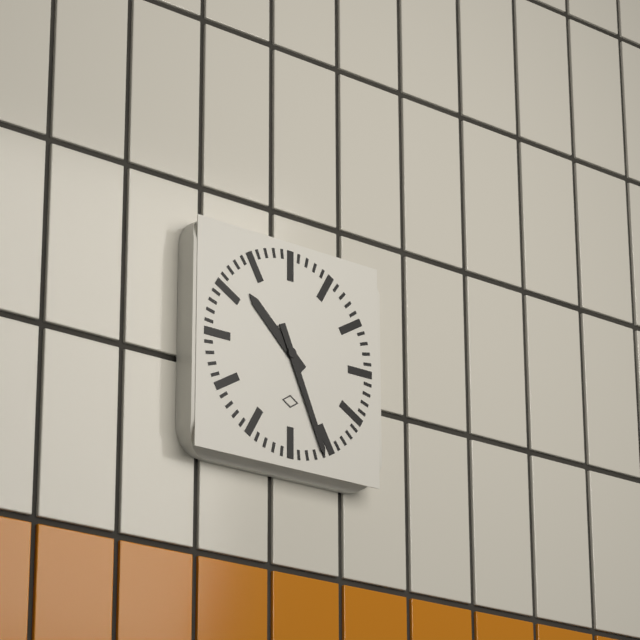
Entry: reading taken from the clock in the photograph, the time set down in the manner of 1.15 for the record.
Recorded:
10.26
